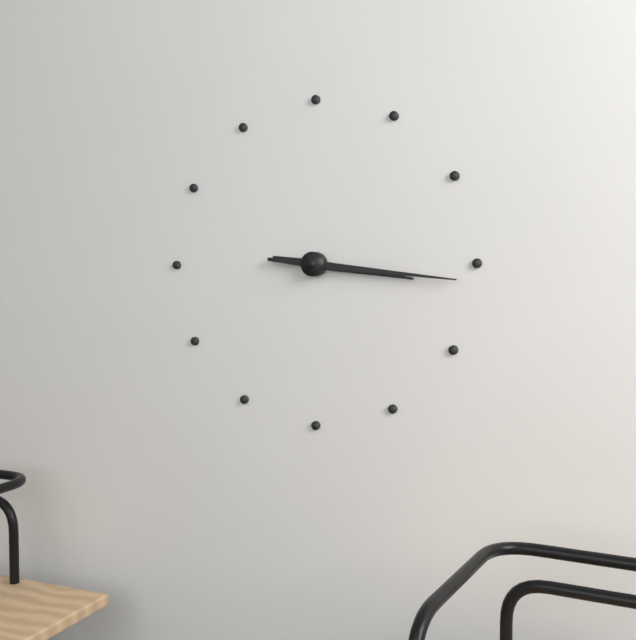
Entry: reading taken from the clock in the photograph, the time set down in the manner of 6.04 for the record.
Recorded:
3.16
